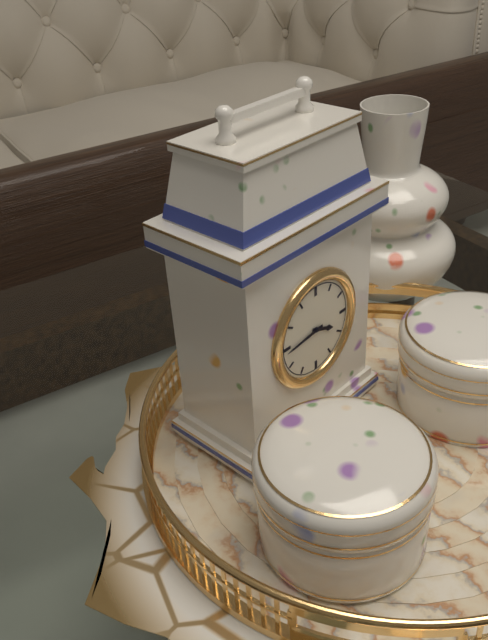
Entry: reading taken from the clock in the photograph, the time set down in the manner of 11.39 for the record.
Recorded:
3.44
